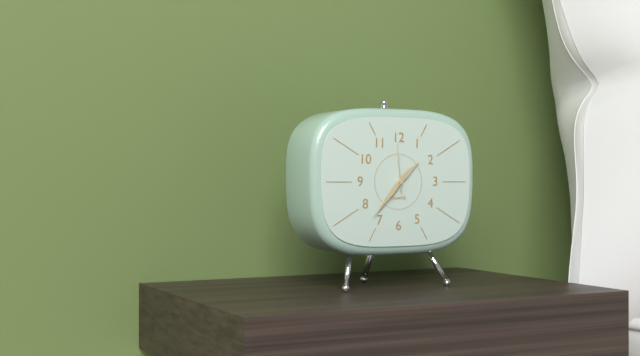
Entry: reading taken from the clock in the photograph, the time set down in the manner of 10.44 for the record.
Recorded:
1.37
